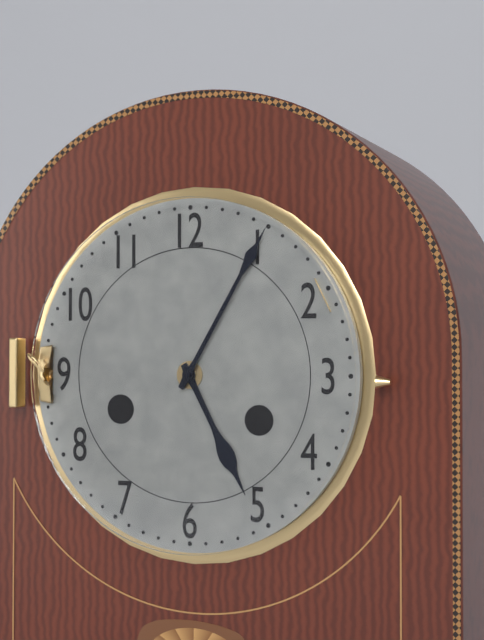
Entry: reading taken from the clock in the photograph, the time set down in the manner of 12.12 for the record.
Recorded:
5.05
